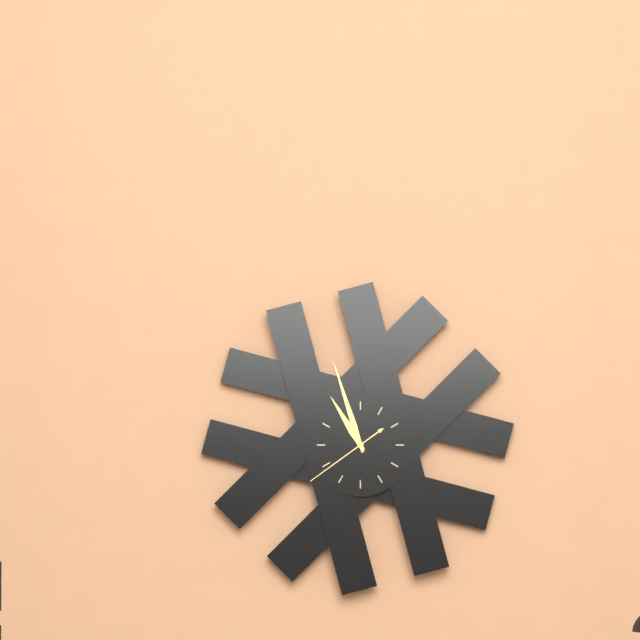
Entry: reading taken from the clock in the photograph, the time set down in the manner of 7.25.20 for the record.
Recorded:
10.57.39
